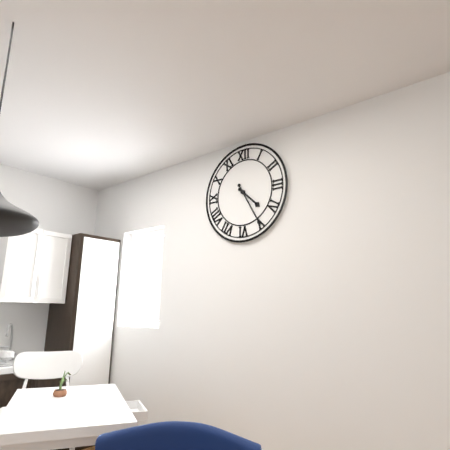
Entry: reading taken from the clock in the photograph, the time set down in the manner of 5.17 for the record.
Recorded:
4.25
